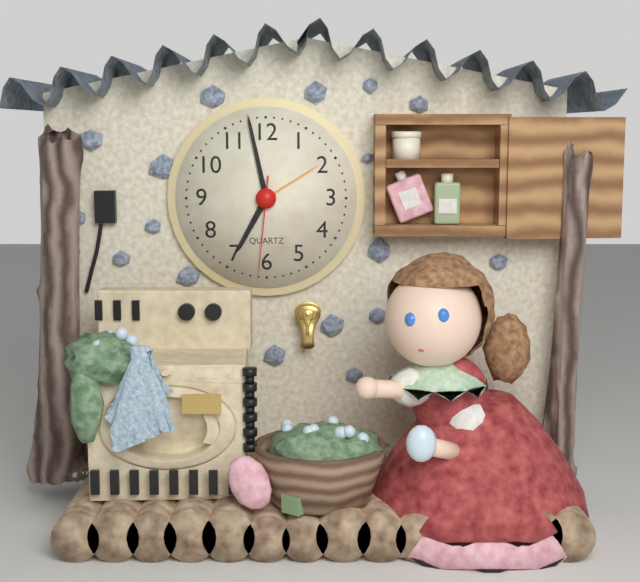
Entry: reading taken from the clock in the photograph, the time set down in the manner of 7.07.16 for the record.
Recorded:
6.58.31
